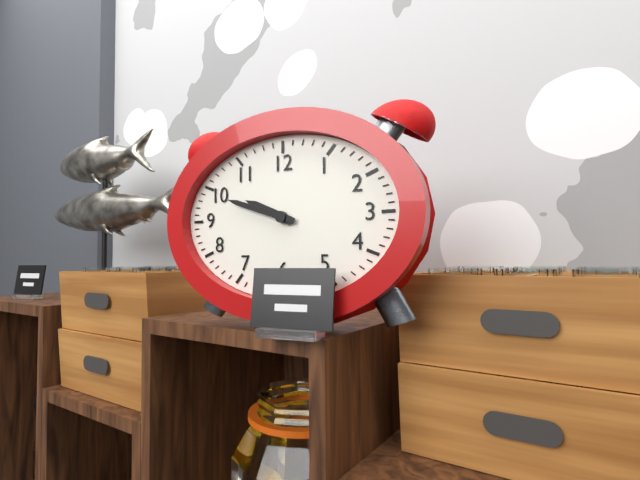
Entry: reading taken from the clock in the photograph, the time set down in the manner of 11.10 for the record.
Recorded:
9.48
